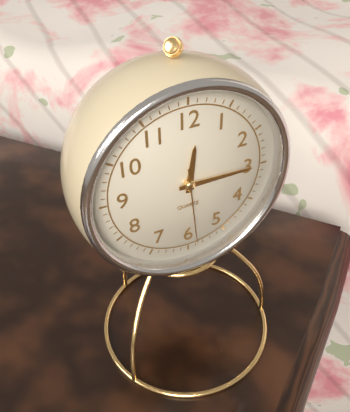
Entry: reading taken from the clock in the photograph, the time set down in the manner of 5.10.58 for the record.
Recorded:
12.15.29
